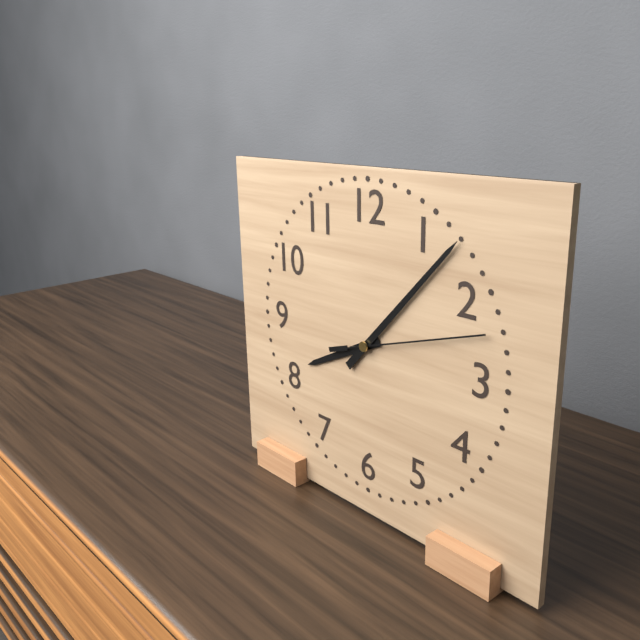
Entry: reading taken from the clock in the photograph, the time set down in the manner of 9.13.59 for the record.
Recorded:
8.07.12
